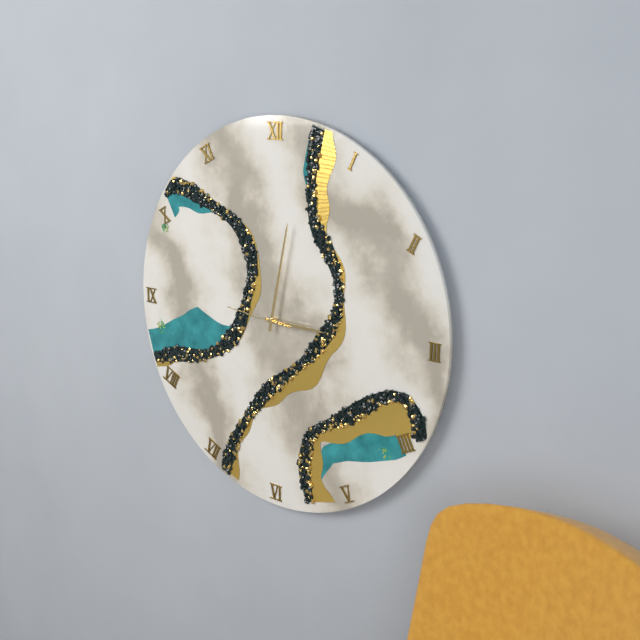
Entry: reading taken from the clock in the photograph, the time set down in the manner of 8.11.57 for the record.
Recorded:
3.02.46
